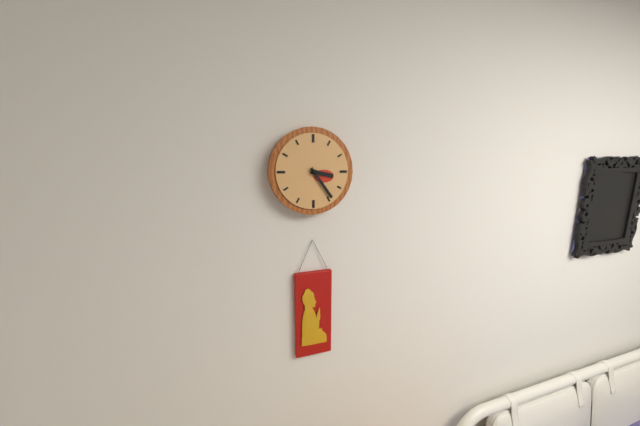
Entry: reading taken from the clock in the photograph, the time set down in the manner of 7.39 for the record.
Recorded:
3.24
